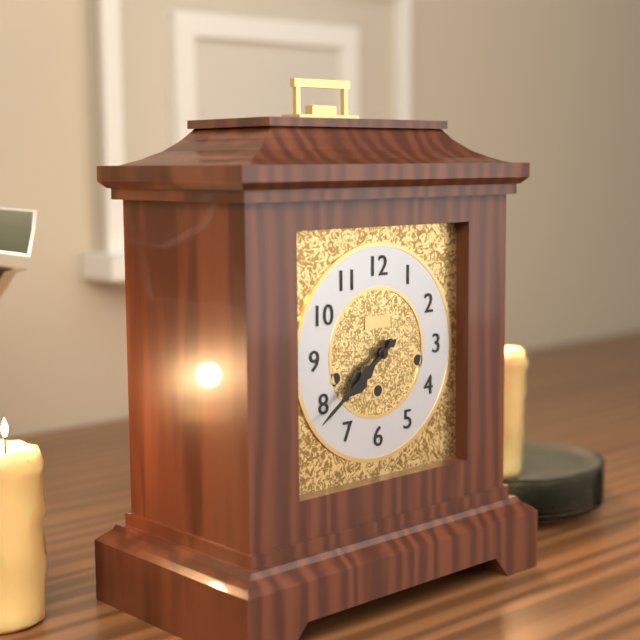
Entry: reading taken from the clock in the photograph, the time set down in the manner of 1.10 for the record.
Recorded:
7.39
